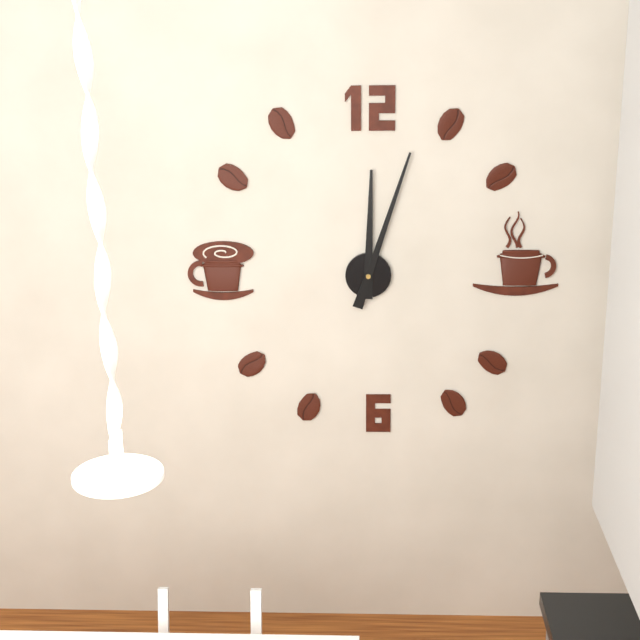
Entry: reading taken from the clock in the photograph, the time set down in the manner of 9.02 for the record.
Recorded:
12.03
